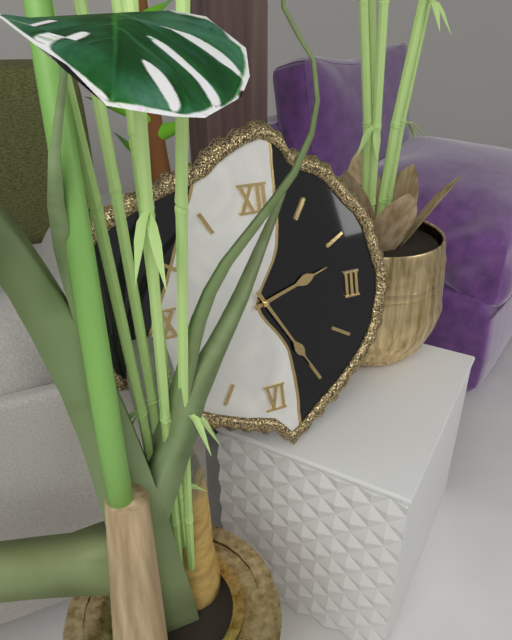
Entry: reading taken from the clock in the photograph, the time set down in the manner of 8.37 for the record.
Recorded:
2.25
